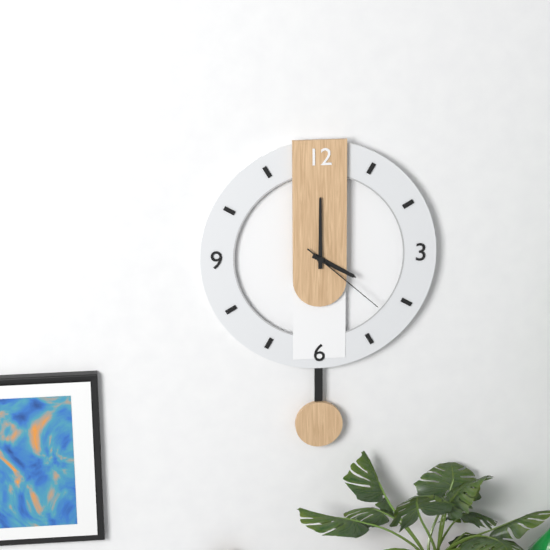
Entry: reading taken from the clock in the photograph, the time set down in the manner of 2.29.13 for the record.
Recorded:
4.00.22
